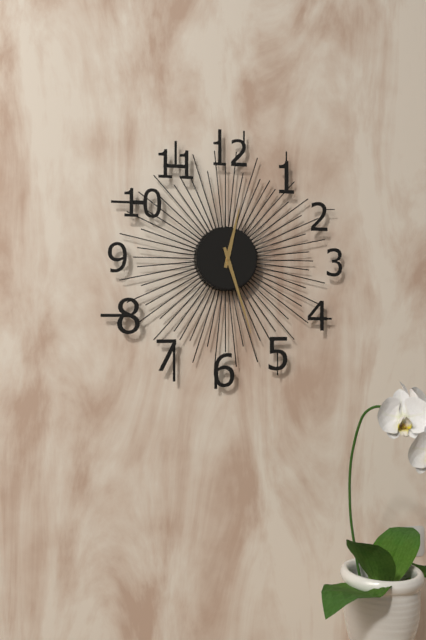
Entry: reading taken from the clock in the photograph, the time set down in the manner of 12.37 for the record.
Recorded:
12.27
